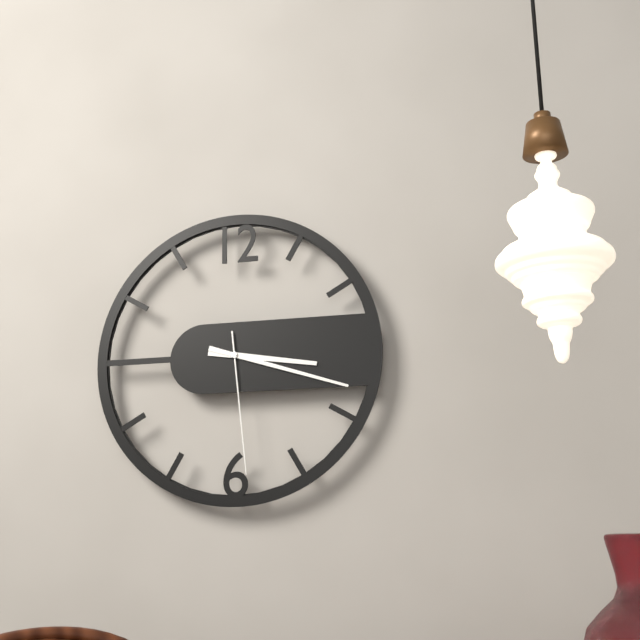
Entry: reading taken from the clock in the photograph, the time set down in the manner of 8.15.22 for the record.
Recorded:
3.18.29
